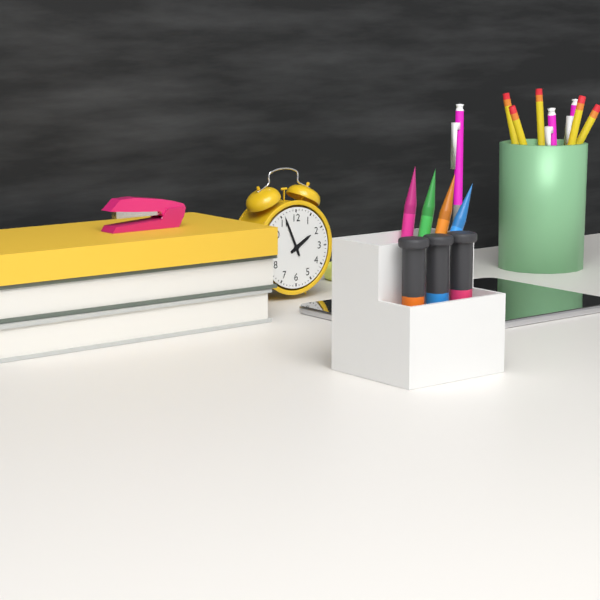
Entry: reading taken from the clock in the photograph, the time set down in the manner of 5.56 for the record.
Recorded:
1.56
